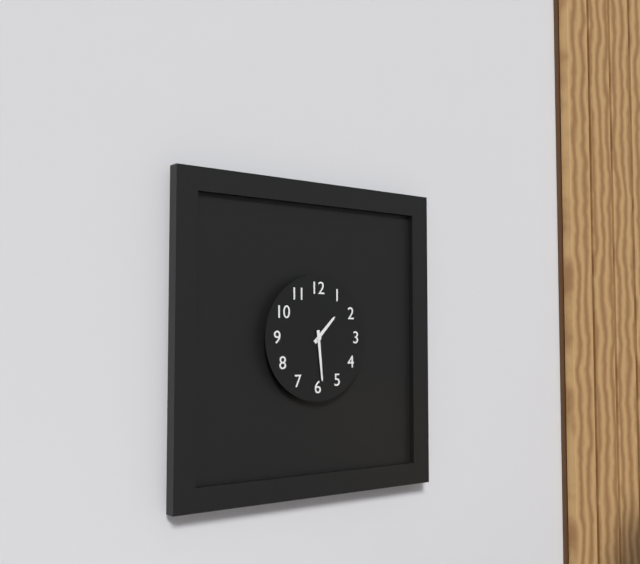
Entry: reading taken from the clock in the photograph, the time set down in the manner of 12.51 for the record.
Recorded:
1.29
